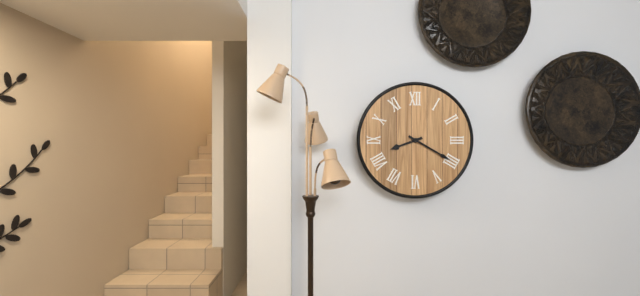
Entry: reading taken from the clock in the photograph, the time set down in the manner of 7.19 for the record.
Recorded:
8.20
